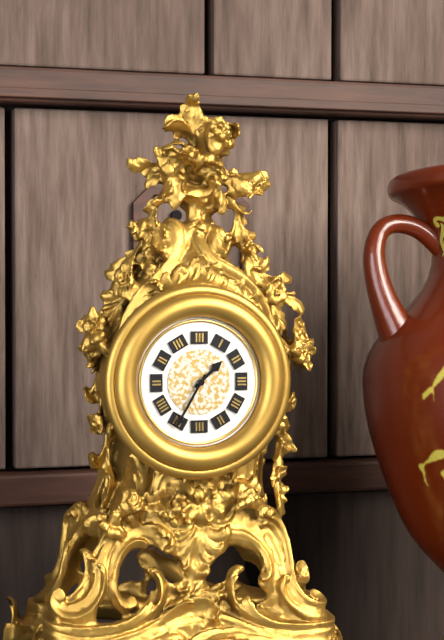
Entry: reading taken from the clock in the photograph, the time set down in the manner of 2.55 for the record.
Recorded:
1.35
